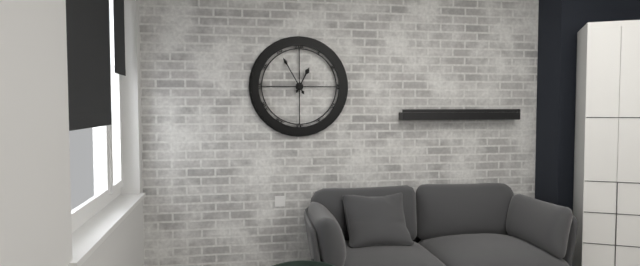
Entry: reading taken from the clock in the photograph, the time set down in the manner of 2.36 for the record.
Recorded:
12.55
